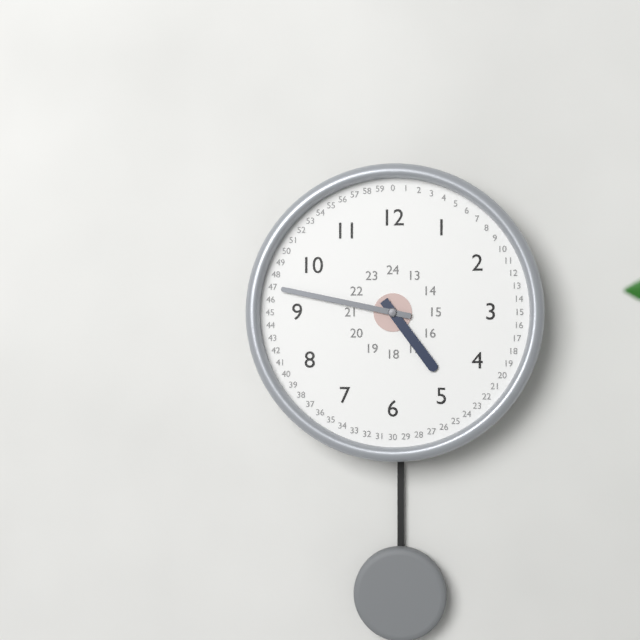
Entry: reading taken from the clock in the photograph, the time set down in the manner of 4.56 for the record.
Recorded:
4.47
